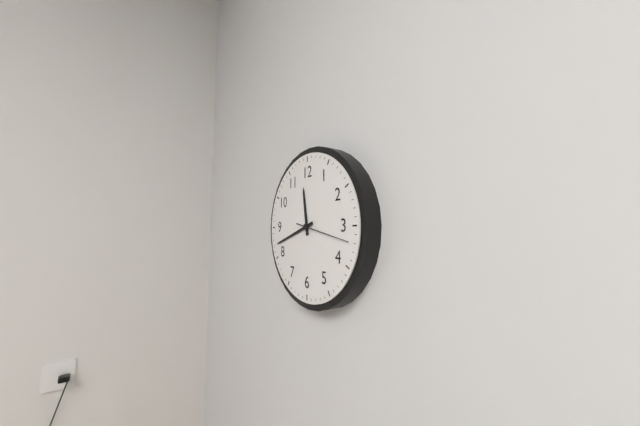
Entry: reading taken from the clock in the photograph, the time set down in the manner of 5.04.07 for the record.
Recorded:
11.42.17
